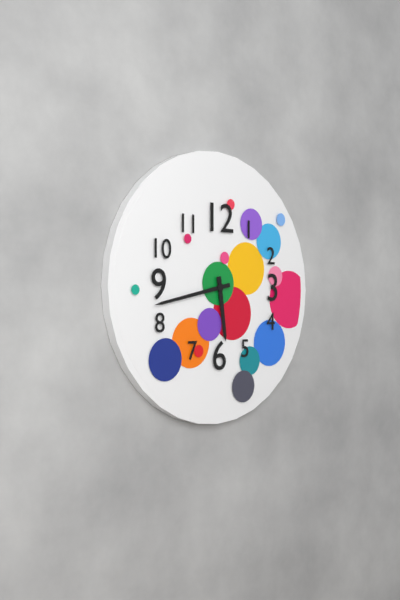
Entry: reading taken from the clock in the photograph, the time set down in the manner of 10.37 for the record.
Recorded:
5.43
